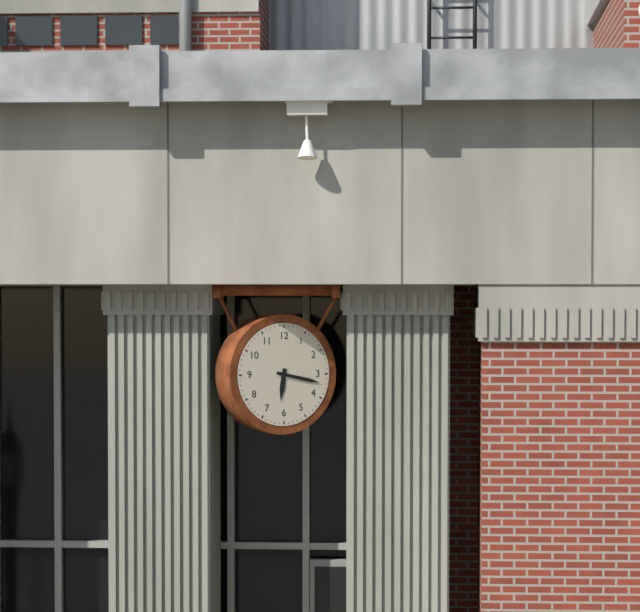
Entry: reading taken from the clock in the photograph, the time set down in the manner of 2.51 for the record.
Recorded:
6.17
